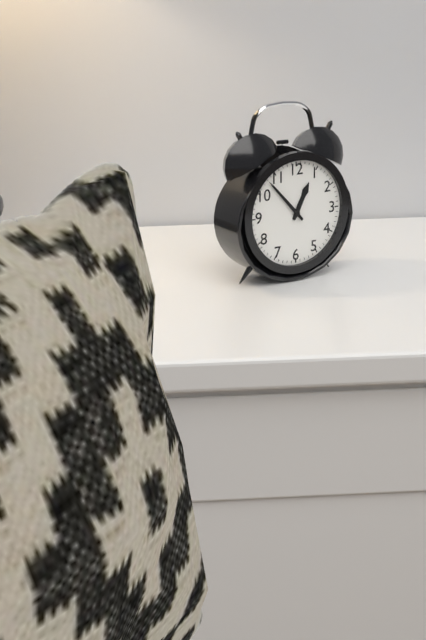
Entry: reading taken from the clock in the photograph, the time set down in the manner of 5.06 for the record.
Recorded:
12.53
